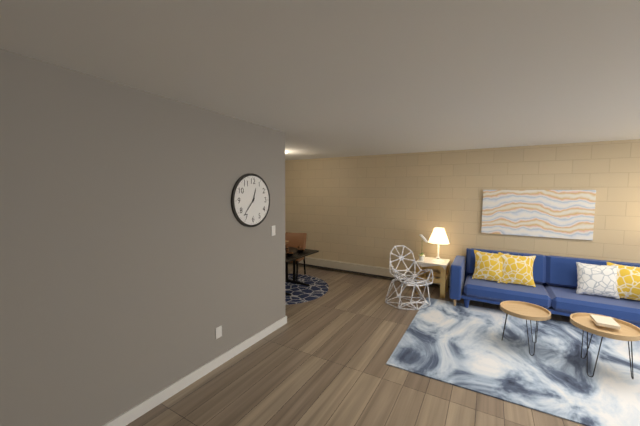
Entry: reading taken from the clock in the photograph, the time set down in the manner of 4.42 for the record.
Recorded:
12.37
